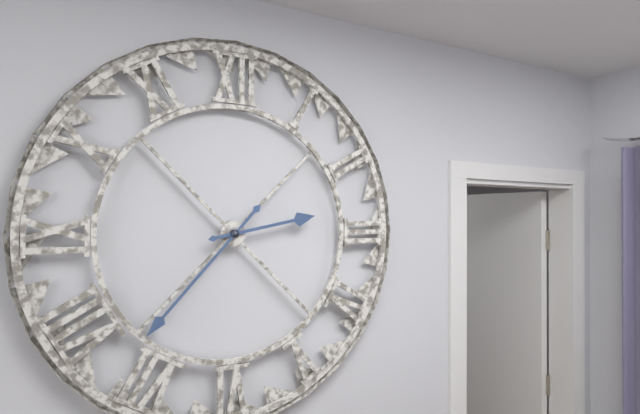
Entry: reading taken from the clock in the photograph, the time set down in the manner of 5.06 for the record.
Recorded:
2.37
